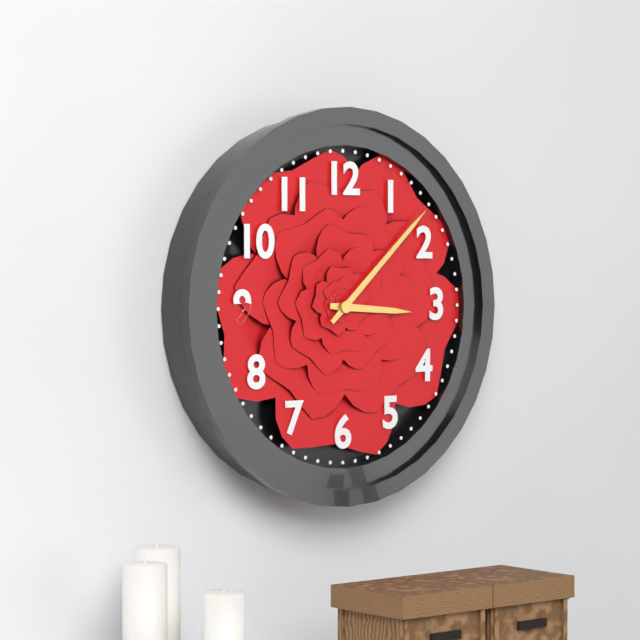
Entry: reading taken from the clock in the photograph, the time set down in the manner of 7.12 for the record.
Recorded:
3.08
